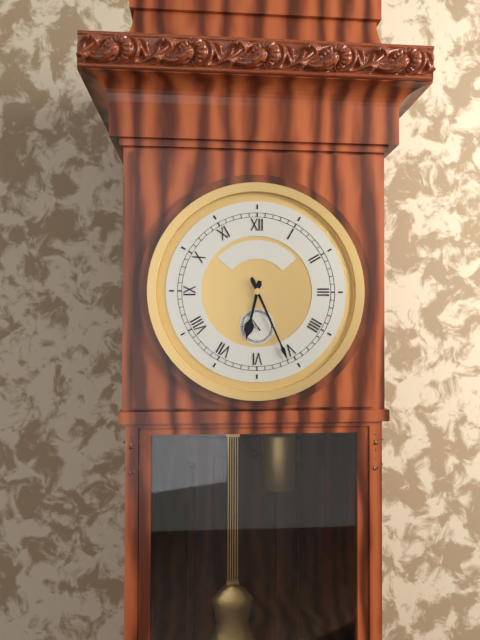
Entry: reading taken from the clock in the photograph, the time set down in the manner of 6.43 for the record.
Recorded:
6.26
